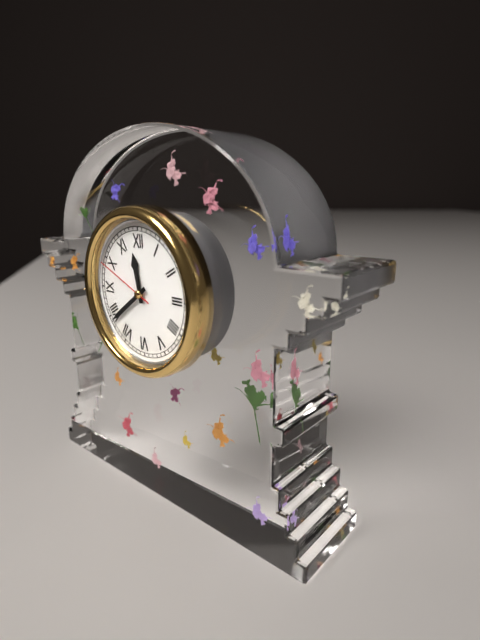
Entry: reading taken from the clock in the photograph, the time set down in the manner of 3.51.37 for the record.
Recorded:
11.39.49
